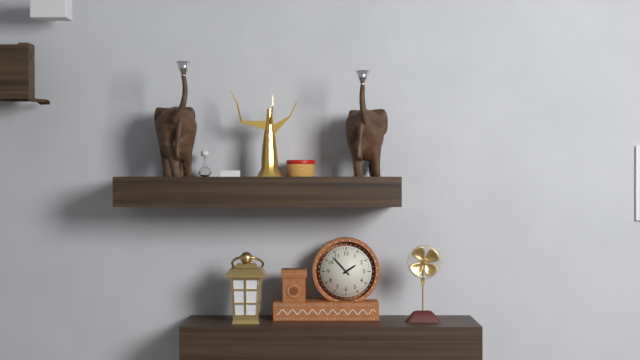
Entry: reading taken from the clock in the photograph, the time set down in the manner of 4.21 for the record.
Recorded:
1.53
